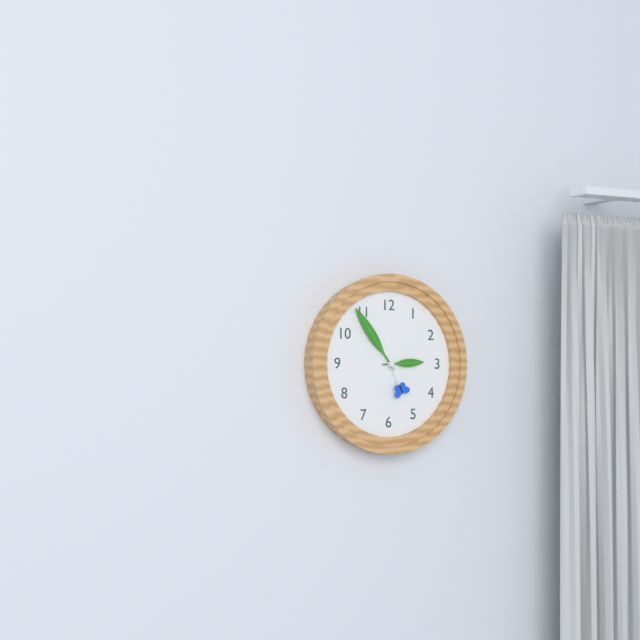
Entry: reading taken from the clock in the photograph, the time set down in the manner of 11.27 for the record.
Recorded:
2.54
